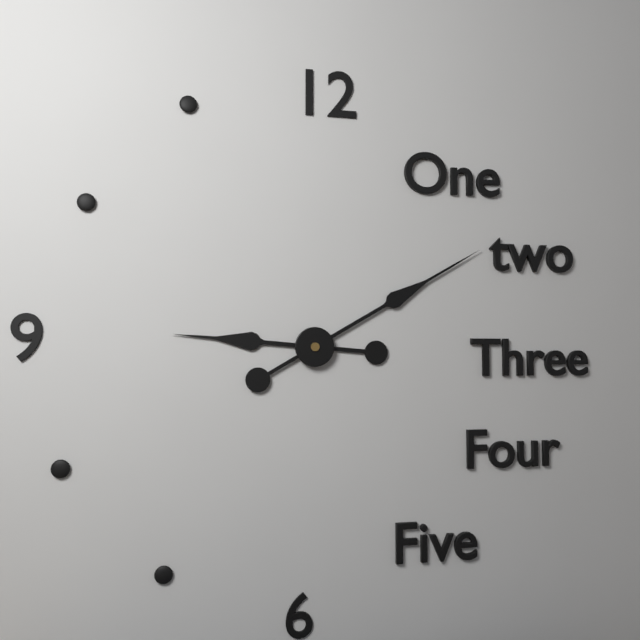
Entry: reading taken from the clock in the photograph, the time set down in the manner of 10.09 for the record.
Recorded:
9.10
